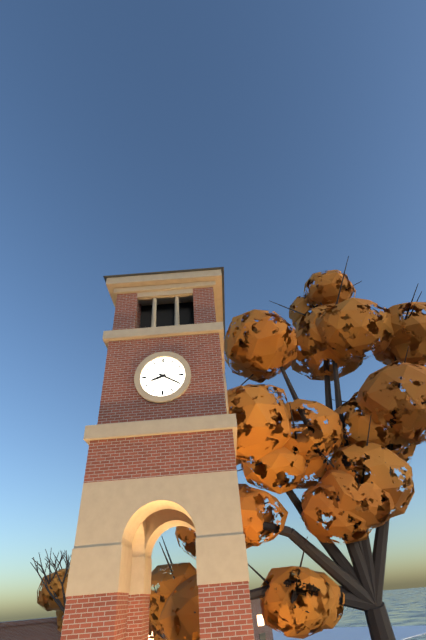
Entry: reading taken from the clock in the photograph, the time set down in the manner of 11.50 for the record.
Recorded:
8.20
